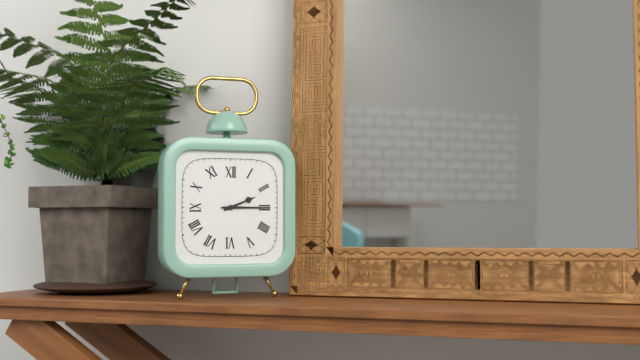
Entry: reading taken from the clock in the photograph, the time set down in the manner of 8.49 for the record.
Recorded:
2.15
